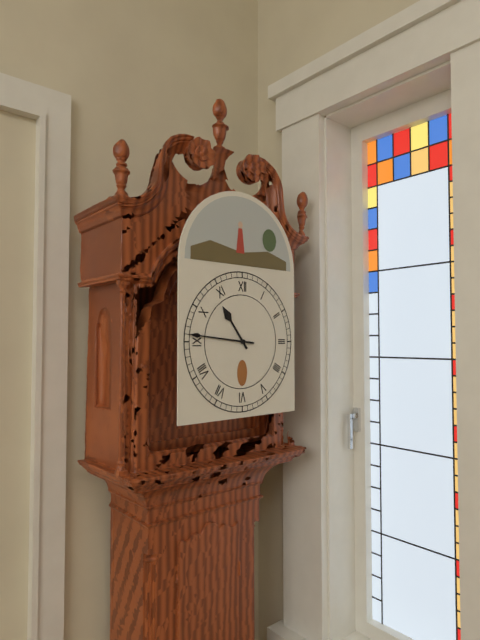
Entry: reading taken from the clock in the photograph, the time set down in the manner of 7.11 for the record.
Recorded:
10.46
